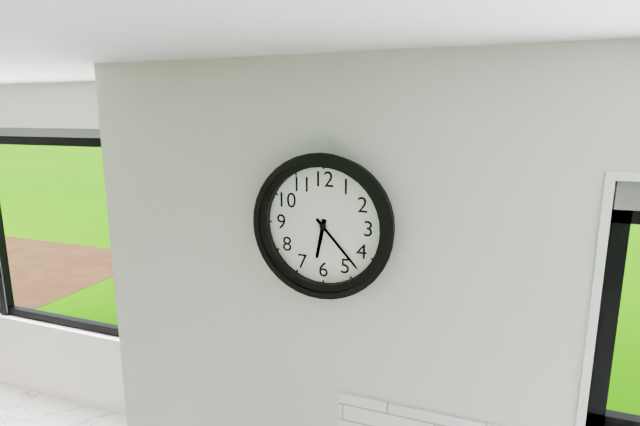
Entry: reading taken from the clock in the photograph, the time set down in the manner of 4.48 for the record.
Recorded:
6.23
